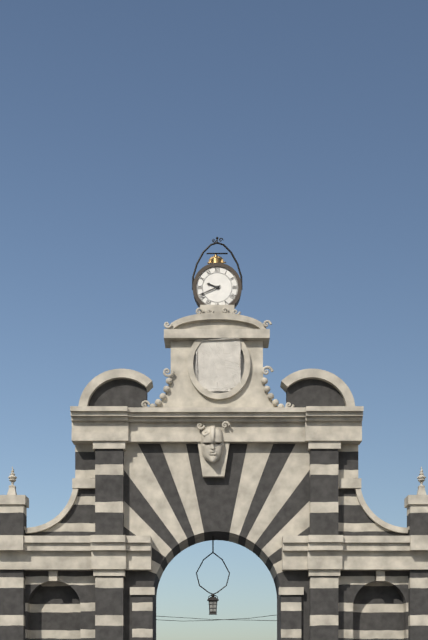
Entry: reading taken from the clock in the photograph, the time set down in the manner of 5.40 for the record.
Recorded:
9.41
